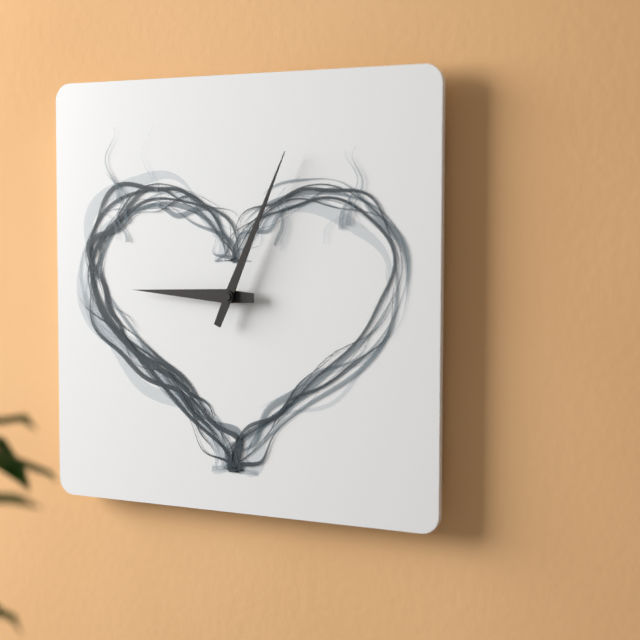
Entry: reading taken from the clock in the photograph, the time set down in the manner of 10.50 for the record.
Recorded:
9.04
